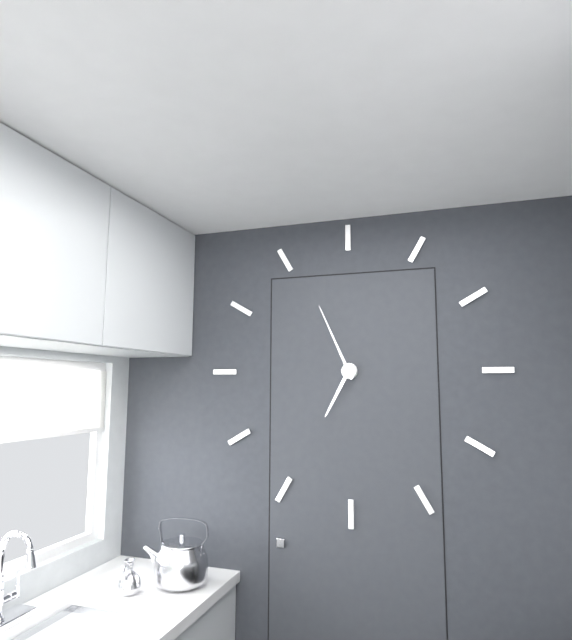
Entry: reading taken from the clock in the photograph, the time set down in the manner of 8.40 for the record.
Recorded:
6.56
